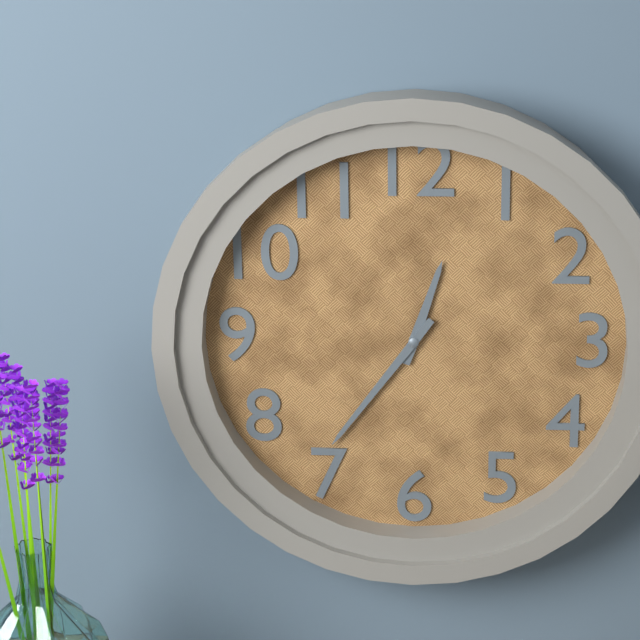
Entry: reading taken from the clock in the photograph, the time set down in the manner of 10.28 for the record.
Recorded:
12.36
